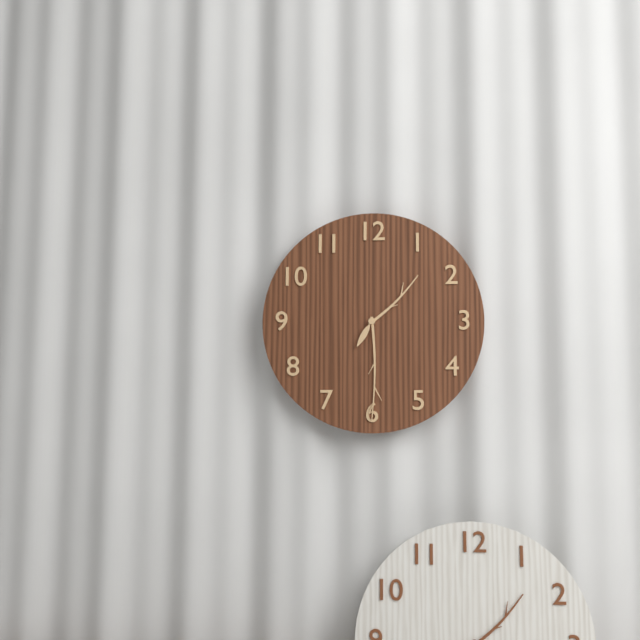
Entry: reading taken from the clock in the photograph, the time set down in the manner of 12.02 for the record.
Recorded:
1.30
